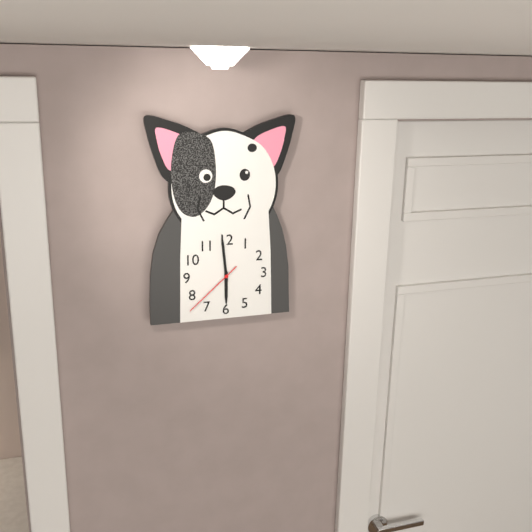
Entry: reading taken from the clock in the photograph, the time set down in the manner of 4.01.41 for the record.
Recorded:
5.59.38
